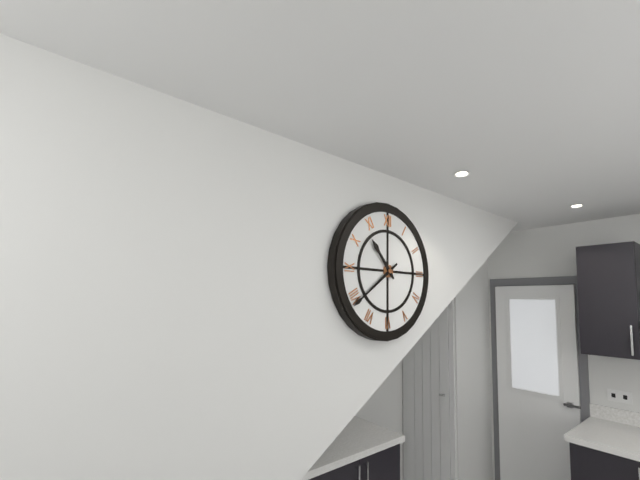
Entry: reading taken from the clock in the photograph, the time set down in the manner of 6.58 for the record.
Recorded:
10.39
